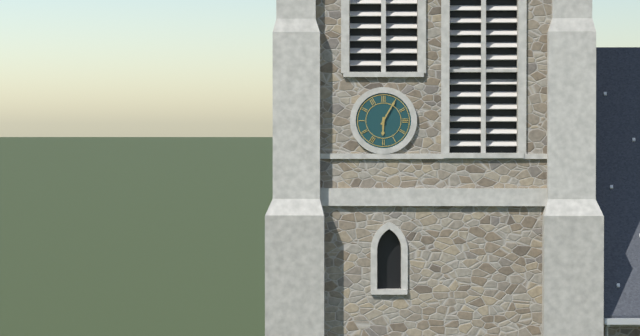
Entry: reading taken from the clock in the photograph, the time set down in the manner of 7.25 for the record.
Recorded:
6.05
